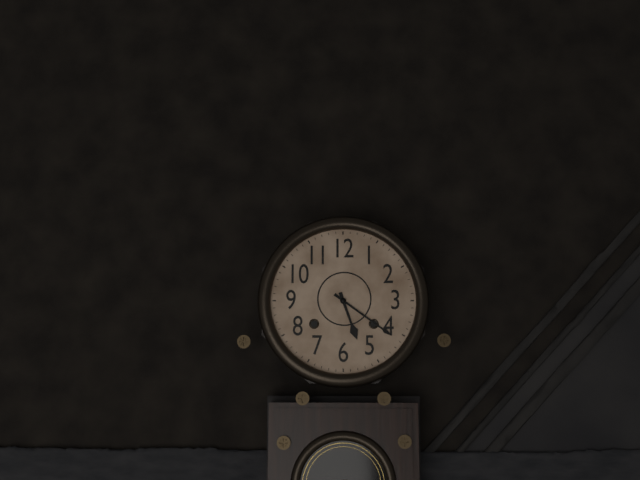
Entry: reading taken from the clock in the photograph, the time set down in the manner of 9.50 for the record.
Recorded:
5.21
